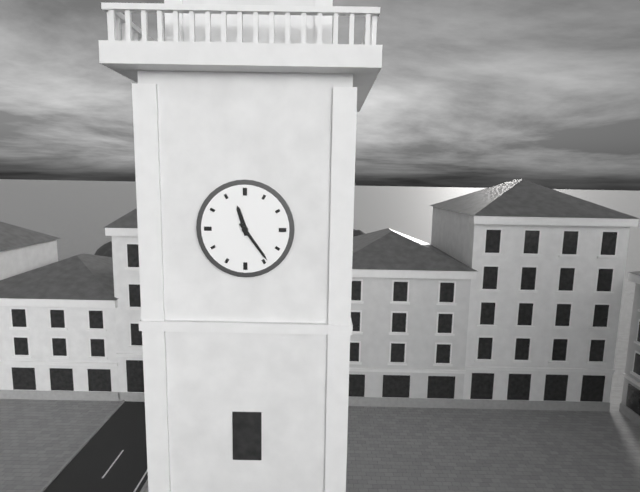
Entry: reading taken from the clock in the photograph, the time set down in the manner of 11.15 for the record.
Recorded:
11.24
